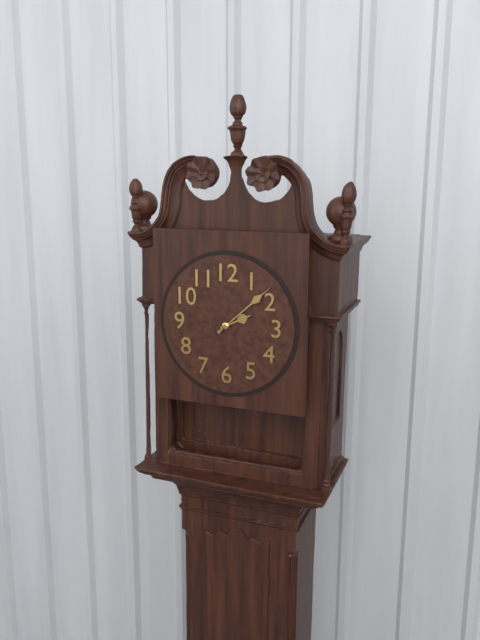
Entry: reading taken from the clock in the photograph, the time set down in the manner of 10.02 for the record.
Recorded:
2.08
